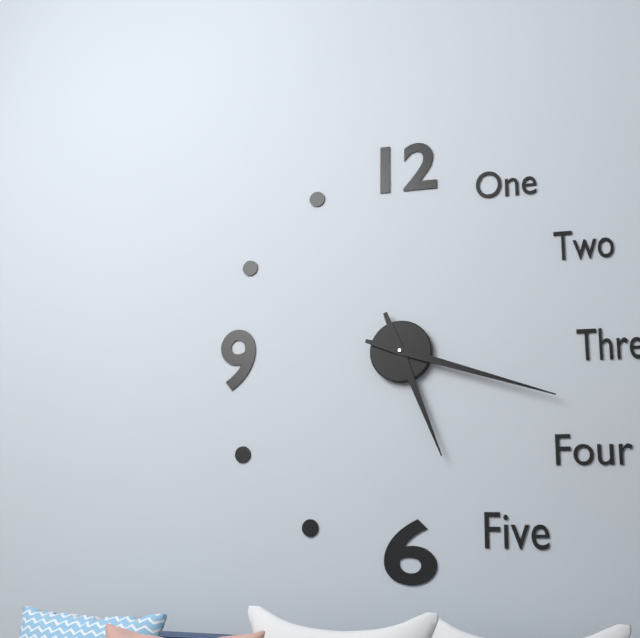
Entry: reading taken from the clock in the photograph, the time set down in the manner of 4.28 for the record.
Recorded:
5.18
